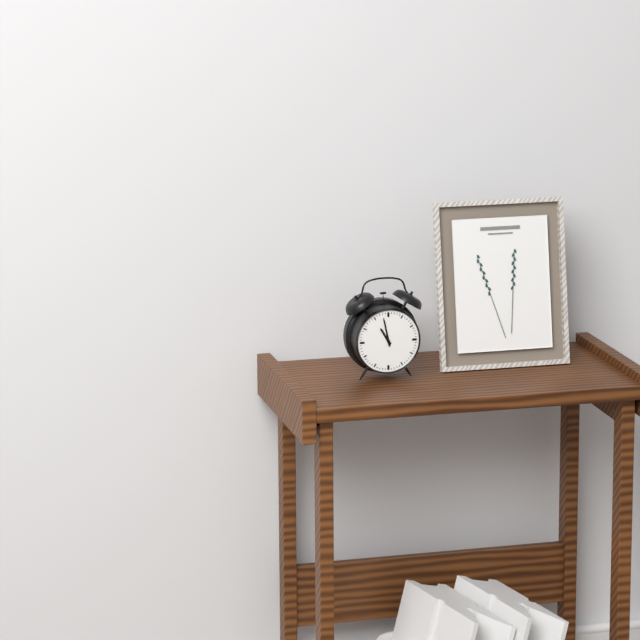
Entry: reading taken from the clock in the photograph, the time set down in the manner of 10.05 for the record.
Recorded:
10.58
